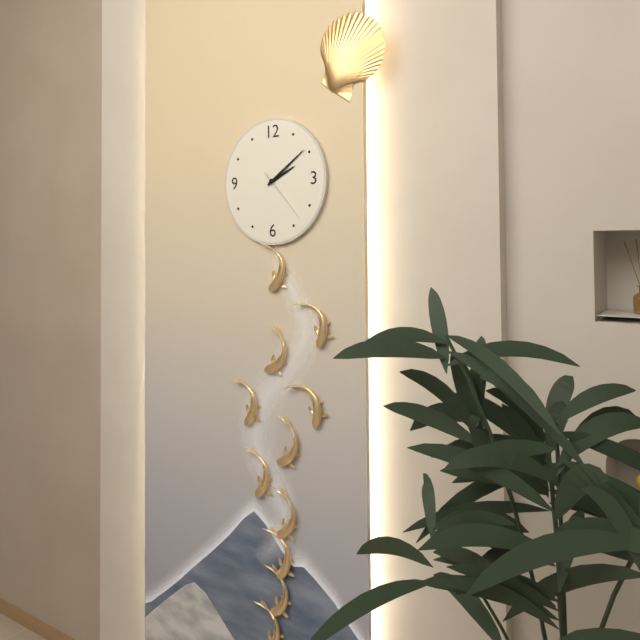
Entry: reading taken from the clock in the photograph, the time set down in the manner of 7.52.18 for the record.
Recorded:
2.09.23
